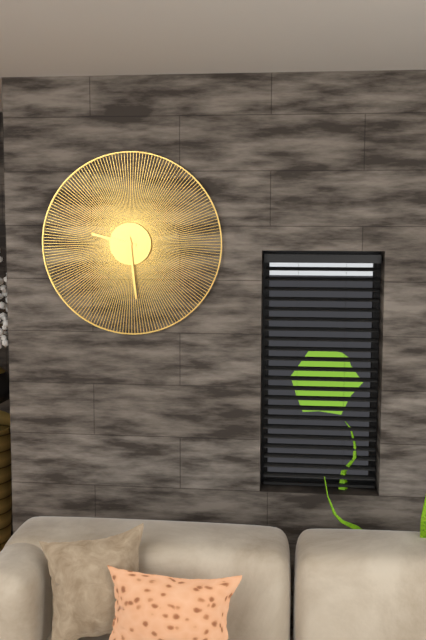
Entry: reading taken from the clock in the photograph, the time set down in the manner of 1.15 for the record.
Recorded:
9.29
